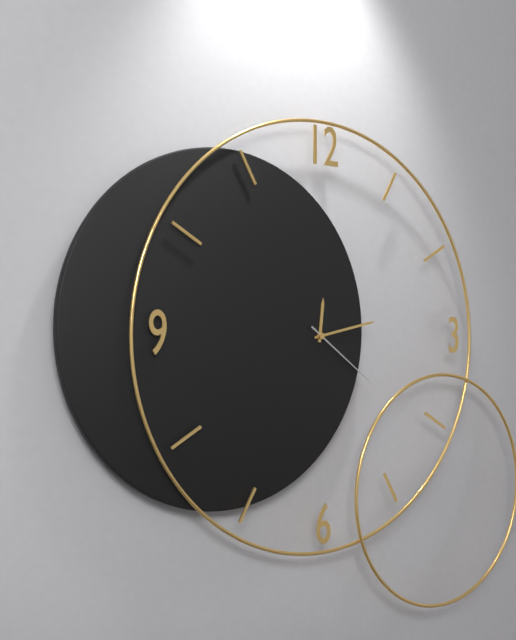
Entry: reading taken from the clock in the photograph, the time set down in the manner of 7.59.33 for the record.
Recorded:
12.13.21
